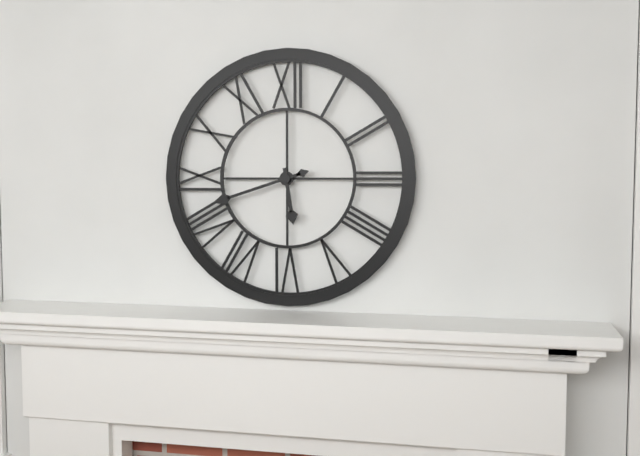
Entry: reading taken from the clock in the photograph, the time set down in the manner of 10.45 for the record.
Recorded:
5.42
